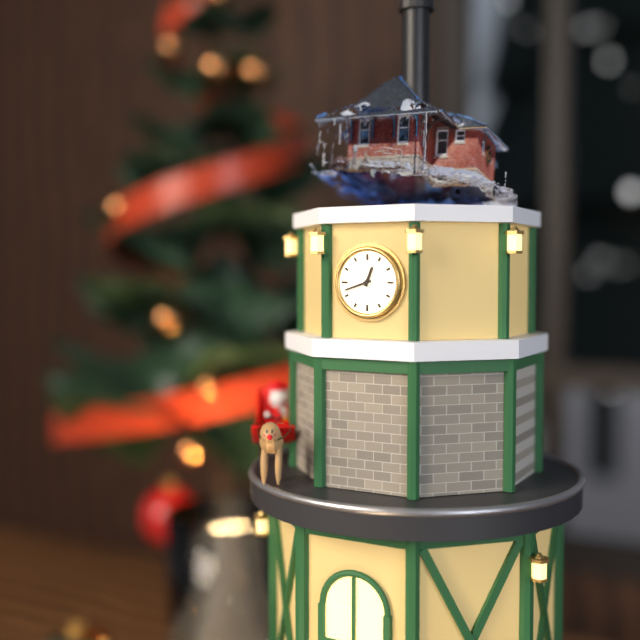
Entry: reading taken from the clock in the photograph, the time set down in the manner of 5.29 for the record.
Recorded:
12.42
